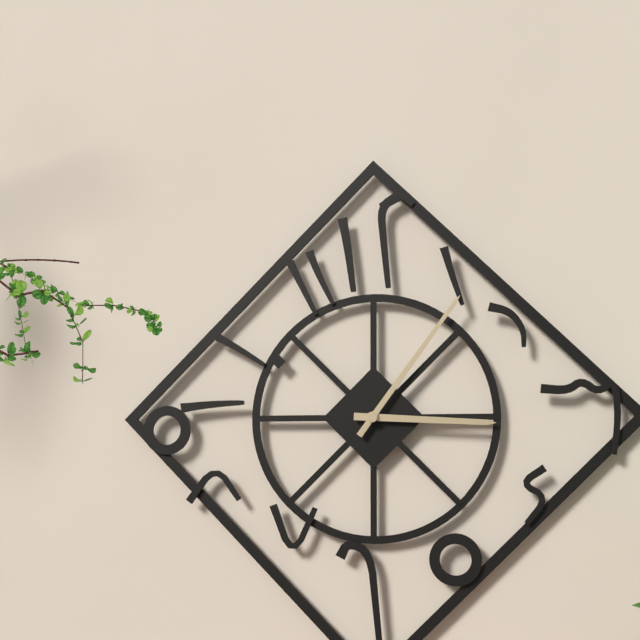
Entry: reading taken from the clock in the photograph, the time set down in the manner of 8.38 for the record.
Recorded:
3.06
